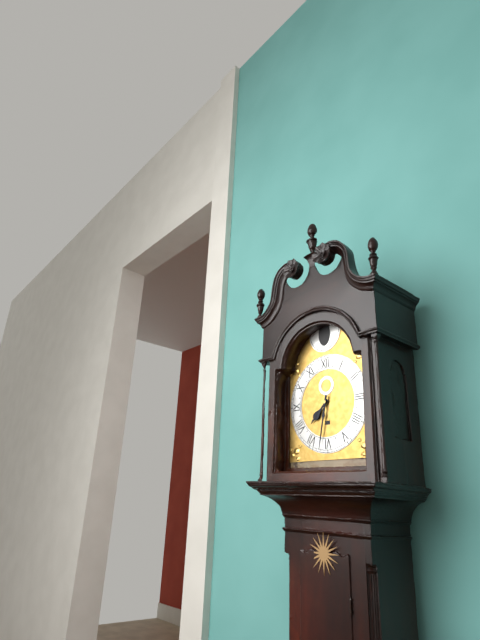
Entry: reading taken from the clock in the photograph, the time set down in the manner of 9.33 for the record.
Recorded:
7.32
